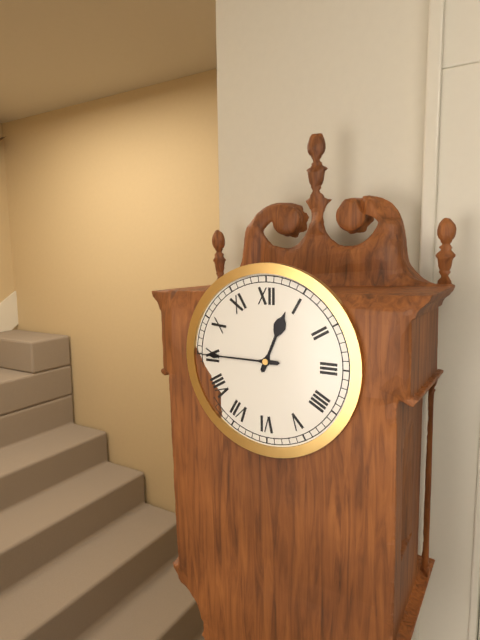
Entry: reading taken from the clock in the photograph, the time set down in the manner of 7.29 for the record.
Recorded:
12.45
